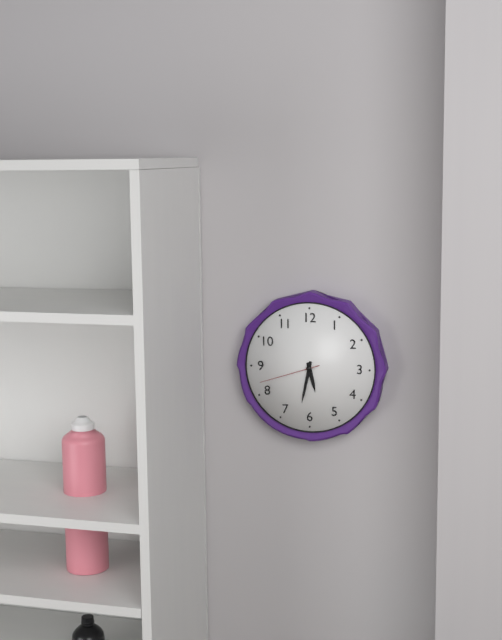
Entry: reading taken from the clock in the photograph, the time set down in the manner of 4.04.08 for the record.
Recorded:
5.32.42
